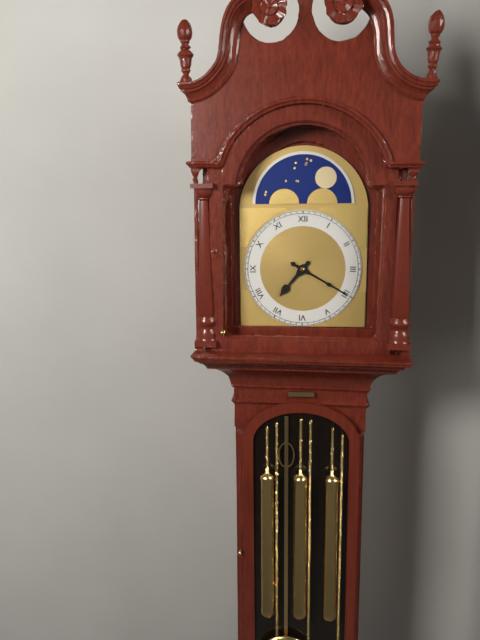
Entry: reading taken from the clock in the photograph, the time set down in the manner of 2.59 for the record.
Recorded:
7.20
